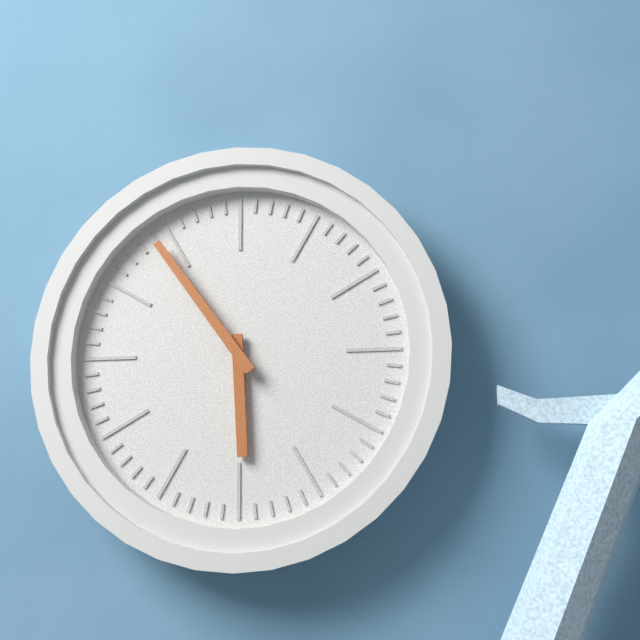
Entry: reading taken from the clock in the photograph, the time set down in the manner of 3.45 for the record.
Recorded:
5.54
